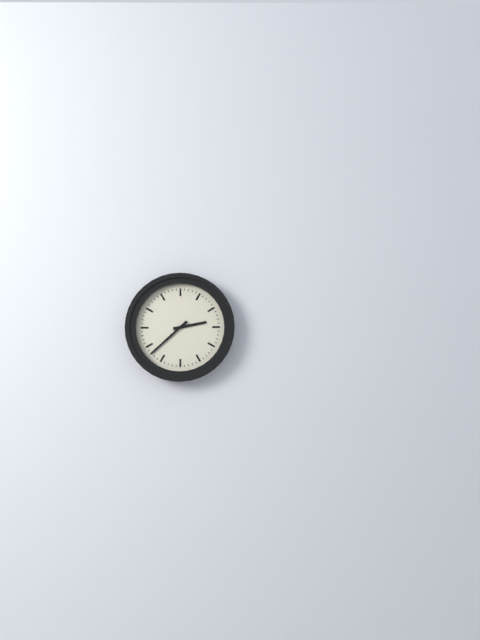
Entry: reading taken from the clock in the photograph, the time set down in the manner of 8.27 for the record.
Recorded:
2.38
